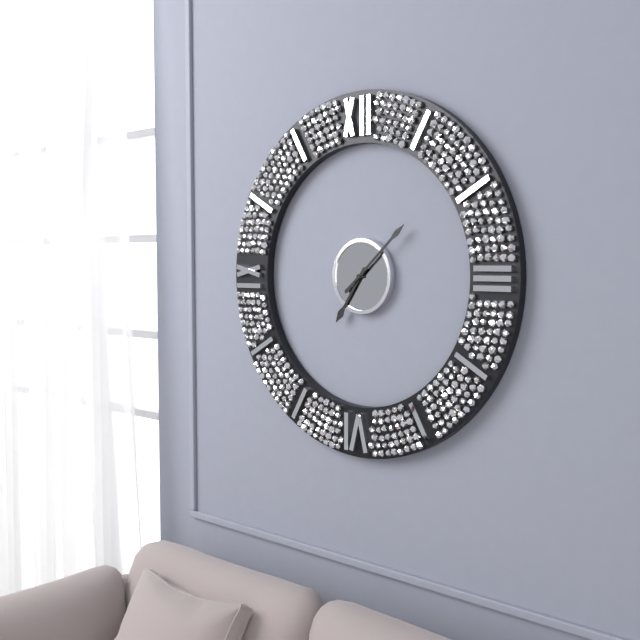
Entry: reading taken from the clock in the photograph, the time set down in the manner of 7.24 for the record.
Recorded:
7.08
